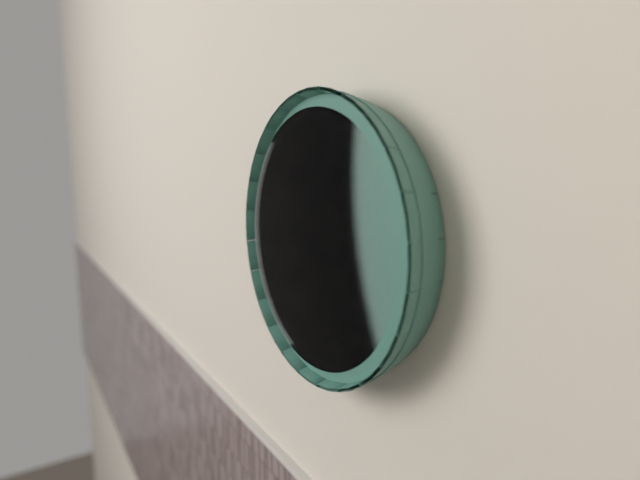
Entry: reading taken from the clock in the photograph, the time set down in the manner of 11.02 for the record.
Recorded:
10.33
